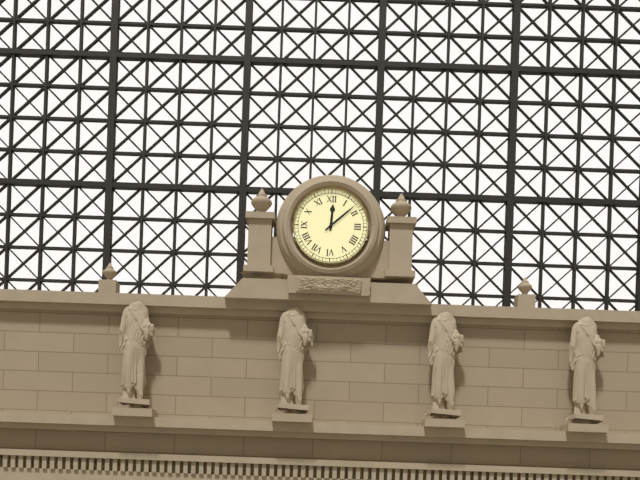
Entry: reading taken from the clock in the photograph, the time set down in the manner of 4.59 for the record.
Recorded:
12.08
